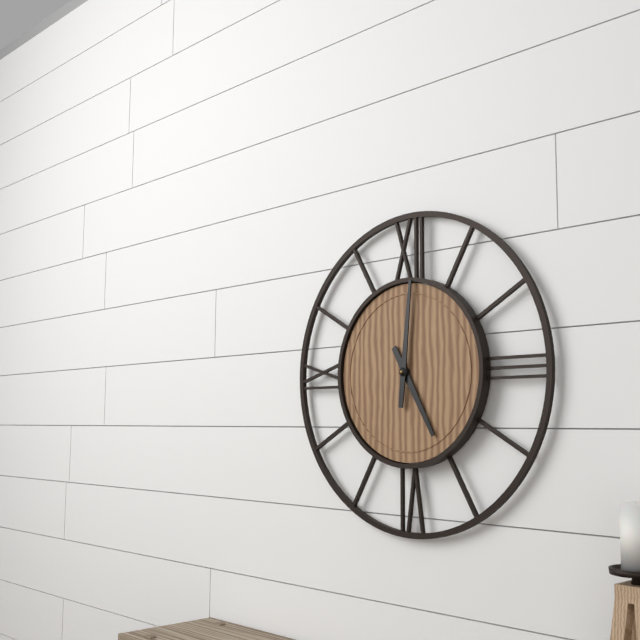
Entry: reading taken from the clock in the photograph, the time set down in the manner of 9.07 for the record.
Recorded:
5.01
